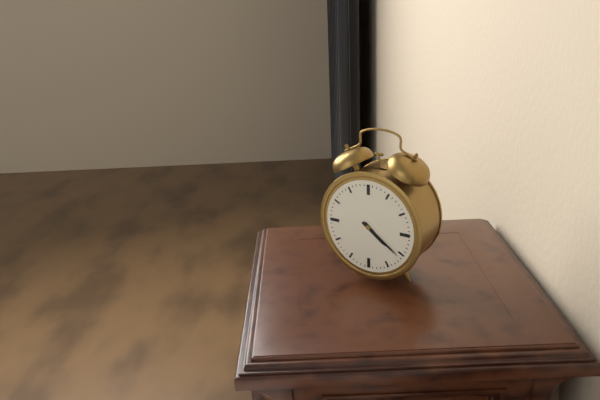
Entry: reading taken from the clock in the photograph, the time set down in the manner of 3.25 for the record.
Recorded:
4.21
